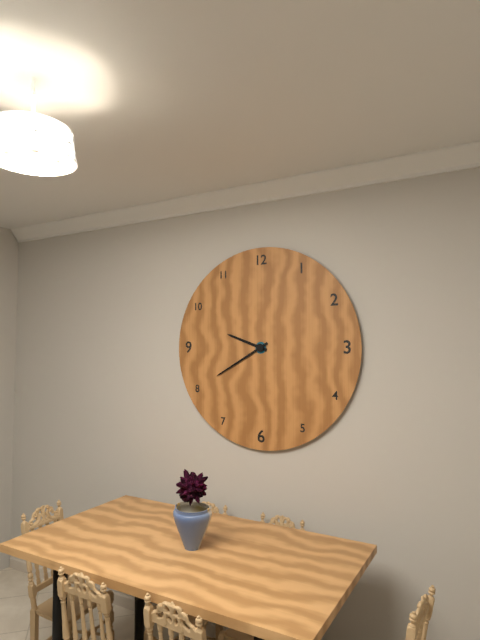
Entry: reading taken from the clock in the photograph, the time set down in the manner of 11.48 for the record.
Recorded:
9.40
